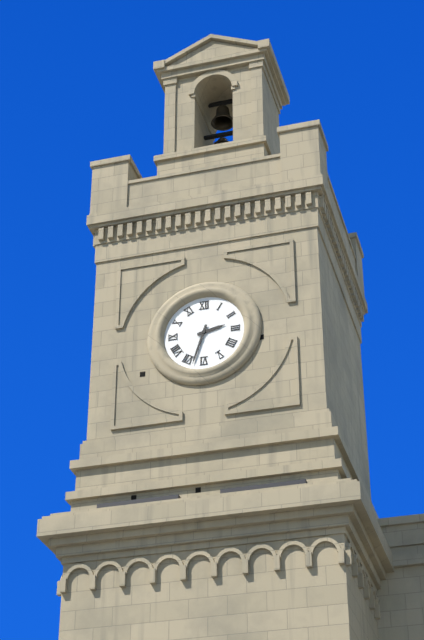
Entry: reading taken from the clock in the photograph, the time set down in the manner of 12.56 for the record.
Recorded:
2.33
